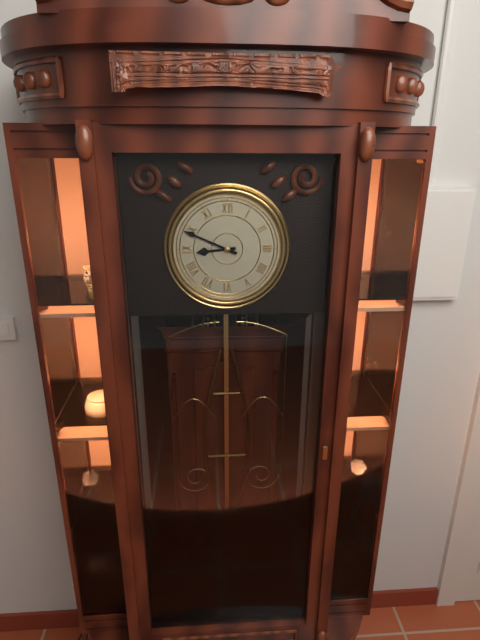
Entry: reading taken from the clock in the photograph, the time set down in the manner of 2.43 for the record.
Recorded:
8.49
